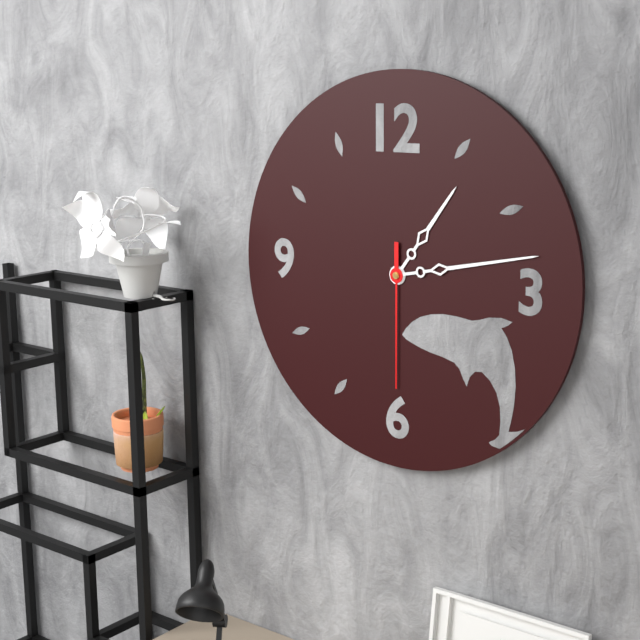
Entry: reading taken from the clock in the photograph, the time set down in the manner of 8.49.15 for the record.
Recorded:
1.13.30
